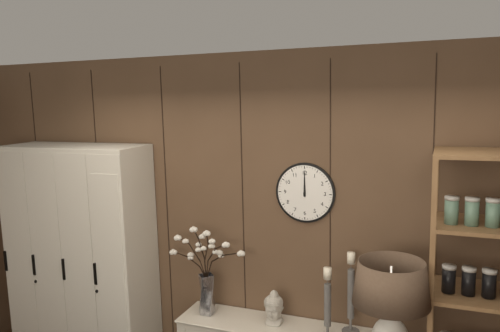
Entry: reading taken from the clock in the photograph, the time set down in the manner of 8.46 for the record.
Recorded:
12.00
